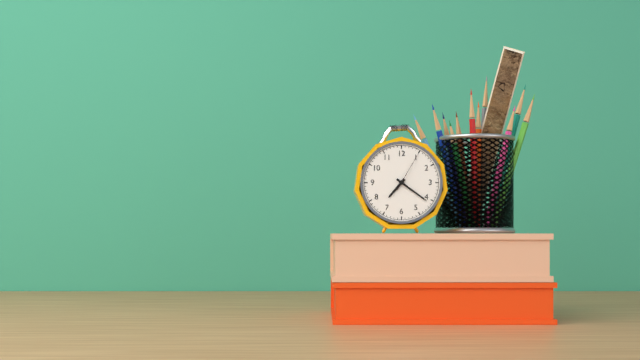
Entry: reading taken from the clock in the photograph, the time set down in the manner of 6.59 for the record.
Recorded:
7.21
